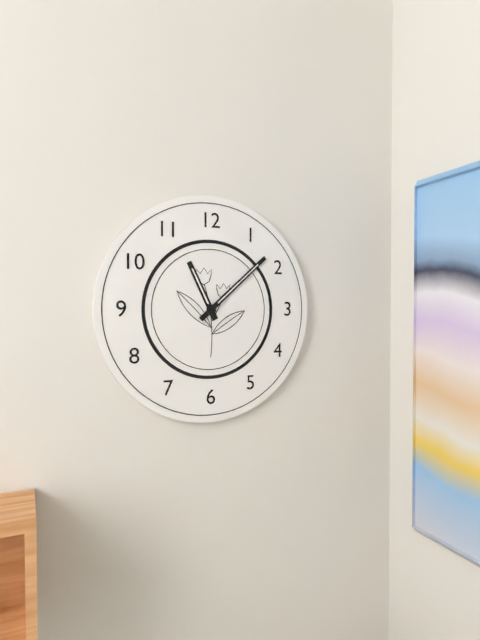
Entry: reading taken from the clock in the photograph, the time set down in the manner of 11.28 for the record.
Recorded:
11.08
